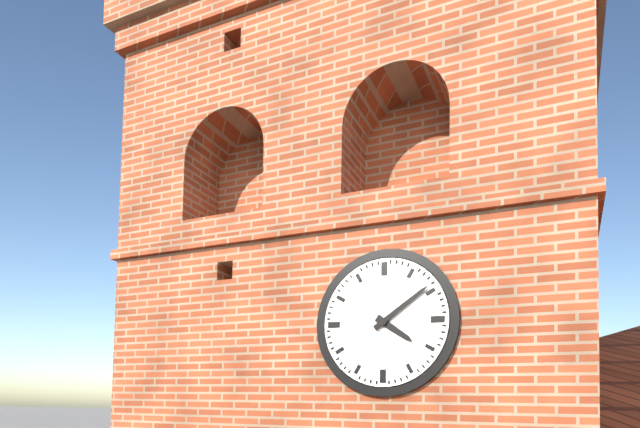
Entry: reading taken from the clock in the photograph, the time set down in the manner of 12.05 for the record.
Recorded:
4.09
